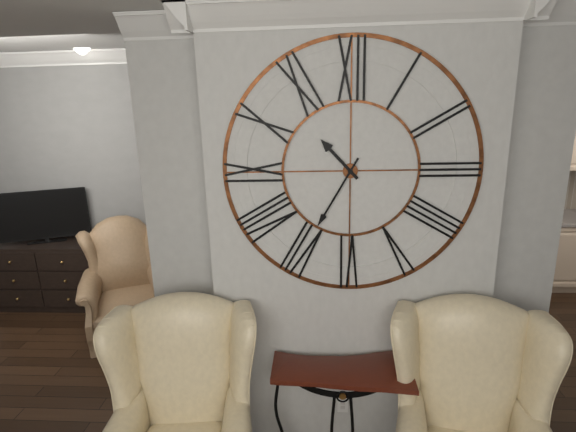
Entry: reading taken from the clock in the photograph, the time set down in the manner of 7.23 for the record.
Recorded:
10.35
